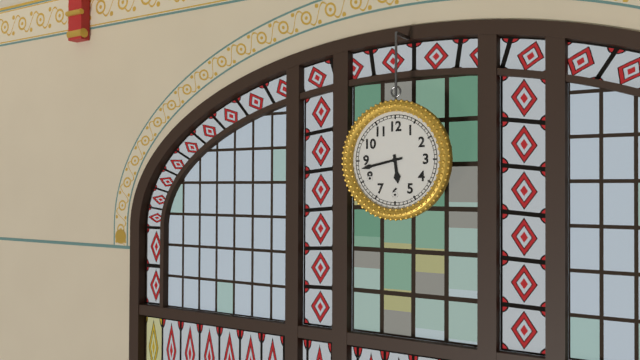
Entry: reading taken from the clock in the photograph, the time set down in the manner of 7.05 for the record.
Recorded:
5.43
